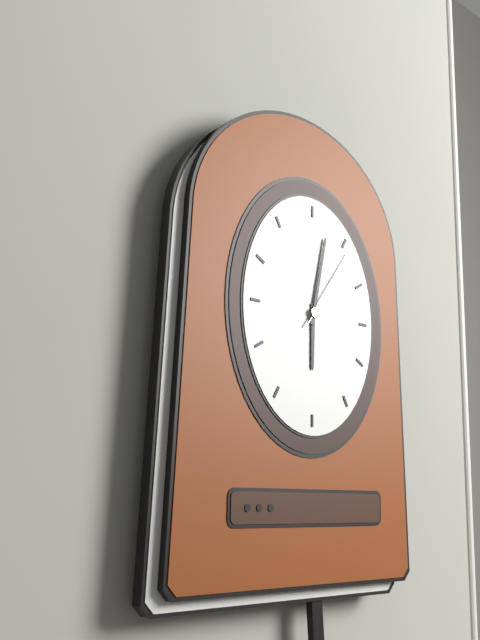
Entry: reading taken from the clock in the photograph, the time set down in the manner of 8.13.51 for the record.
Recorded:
6.02.06
